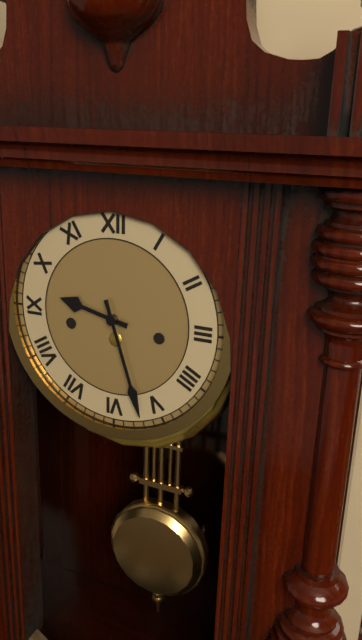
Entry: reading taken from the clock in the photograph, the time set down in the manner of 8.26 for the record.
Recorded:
9.27
